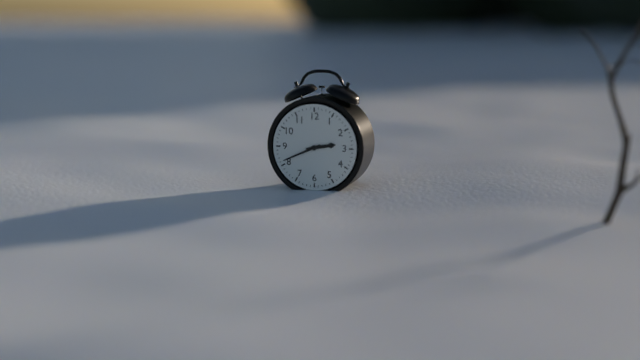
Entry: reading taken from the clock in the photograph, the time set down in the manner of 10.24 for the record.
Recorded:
2.41
